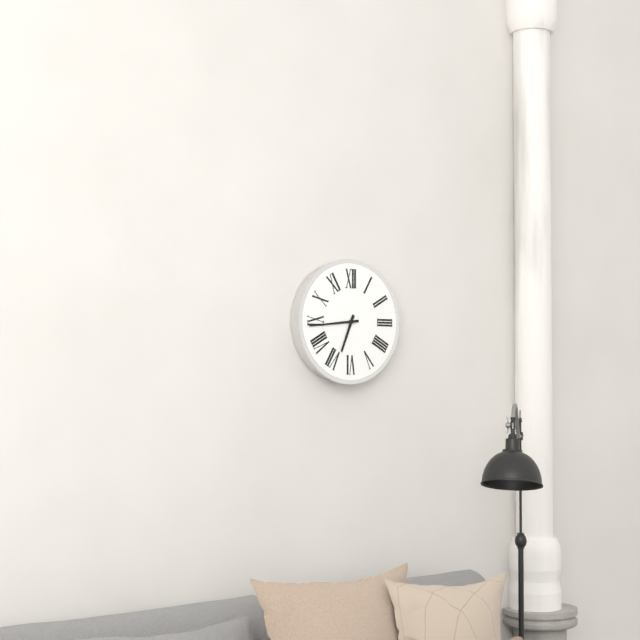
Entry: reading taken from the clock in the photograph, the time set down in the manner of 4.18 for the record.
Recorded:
6.44
